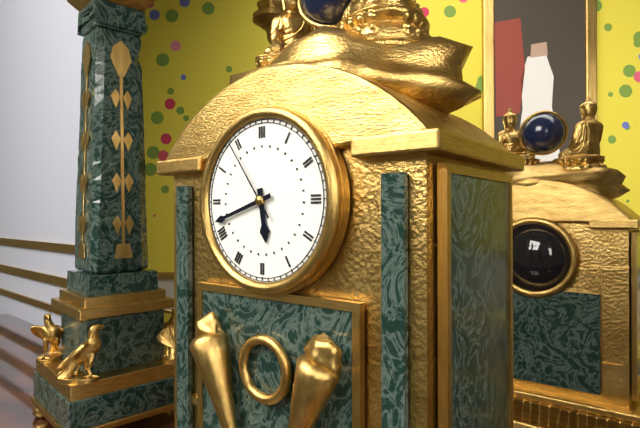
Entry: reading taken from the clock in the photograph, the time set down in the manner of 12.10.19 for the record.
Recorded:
5.42.54
